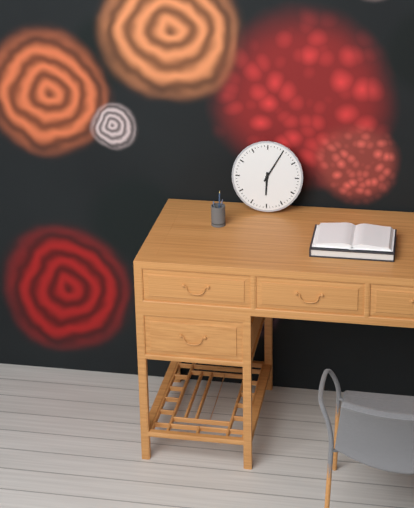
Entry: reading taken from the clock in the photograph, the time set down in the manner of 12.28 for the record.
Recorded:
6.05
